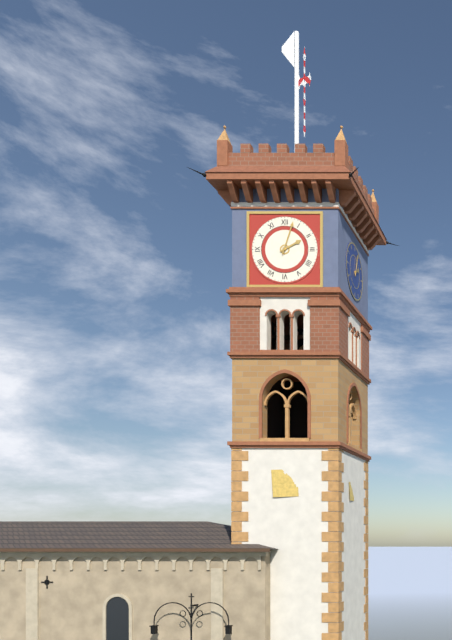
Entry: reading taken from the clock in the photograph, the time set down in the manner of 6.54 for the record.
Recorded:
2.03
